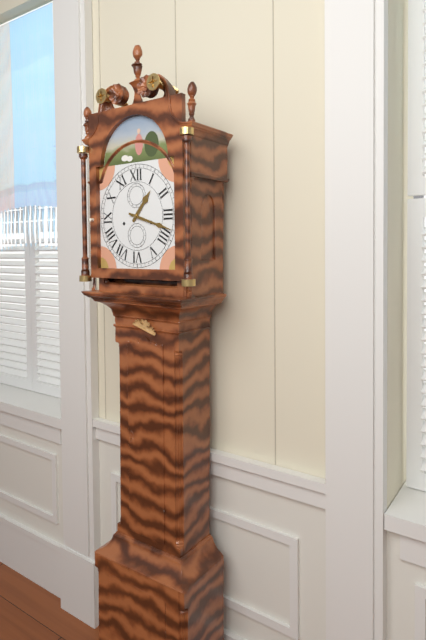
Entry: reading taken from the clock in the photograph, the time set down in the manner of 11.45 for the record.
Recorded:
1.18
